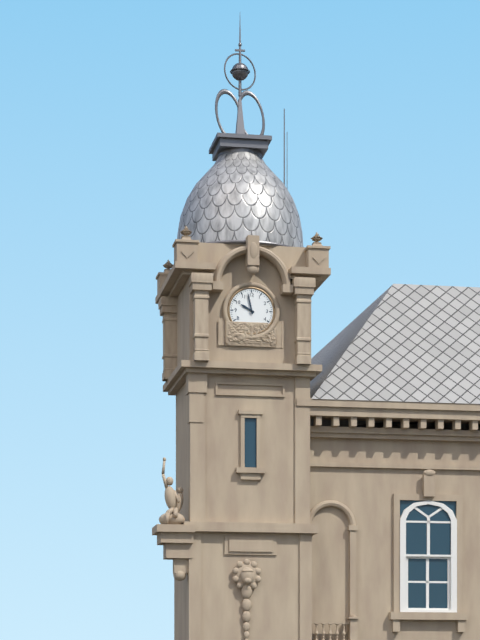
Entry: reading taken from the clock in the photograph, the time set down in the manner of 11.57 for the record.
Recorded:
9.58
